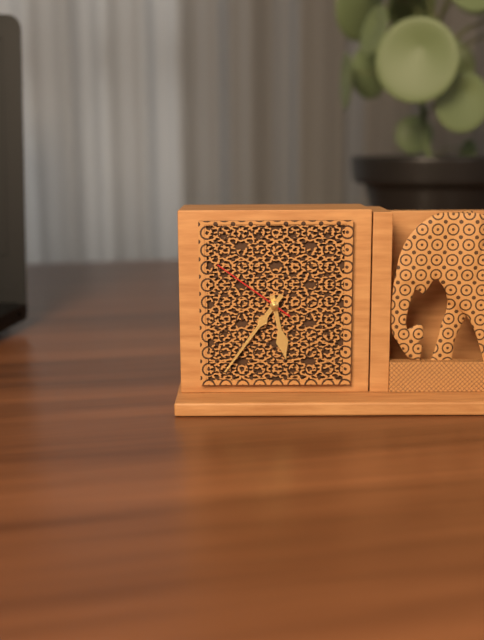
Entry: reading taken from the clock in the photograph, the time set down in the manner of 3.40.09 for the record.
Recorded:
5.36.51
